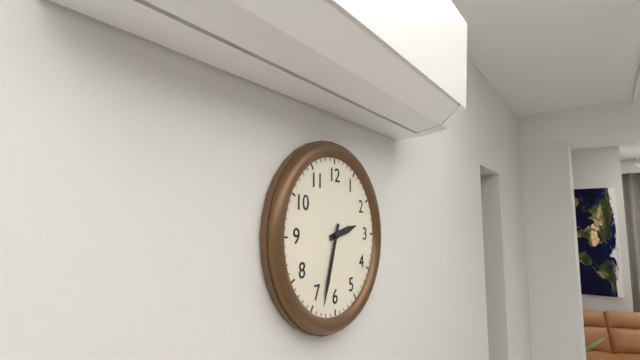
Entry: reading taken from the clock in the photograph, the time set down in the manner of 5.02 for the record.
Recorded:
2.33
